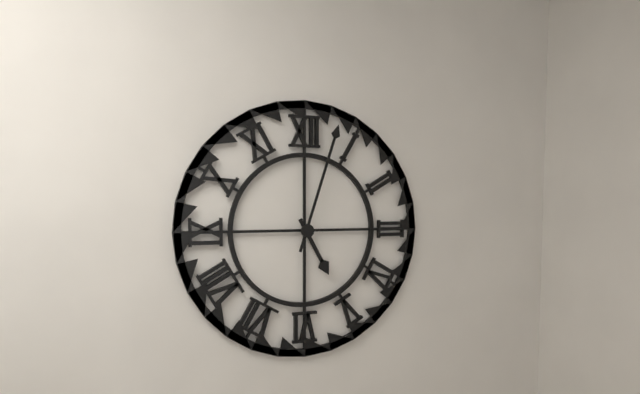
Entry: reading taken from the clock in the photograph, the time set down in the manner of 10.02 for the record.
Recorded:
5.03
